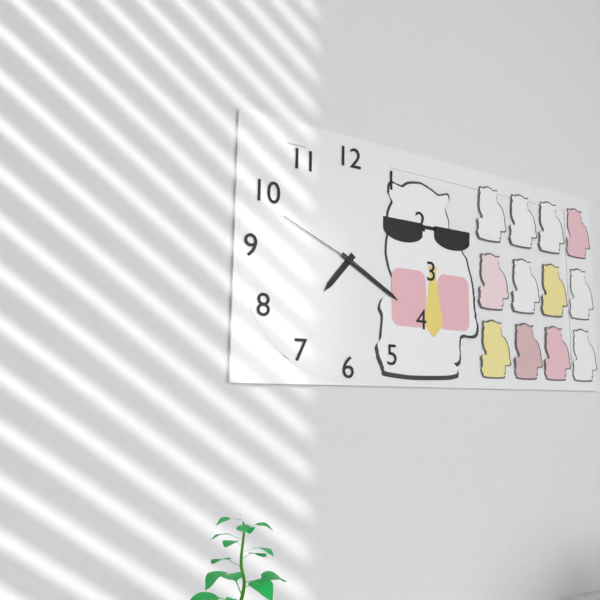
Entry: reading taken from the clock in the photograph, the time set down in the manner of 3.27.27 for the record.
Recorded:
7.20.49
